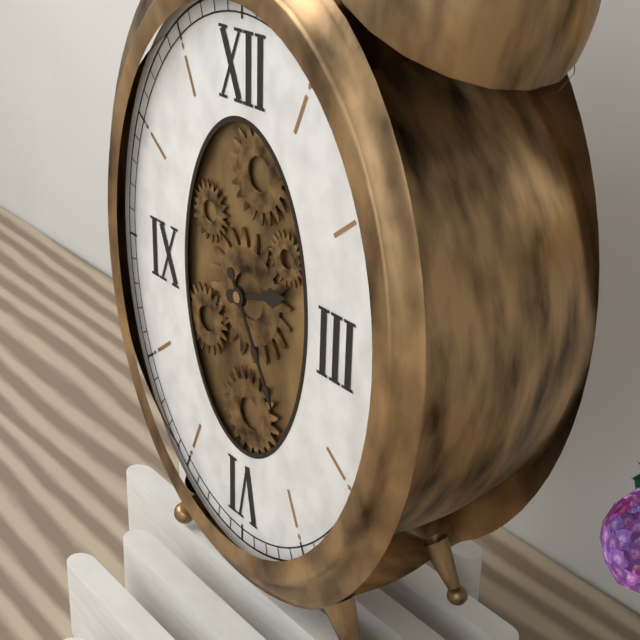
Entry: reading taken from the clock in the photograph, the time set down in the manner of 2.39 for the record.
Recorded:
2.25
